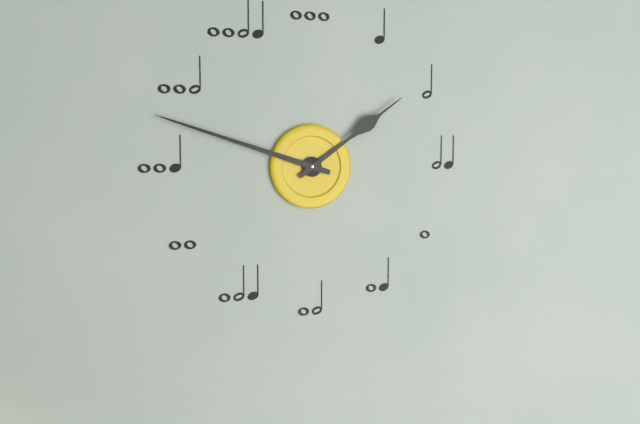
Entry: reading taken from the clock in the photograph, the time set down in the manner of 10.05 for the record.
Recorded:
1.48
